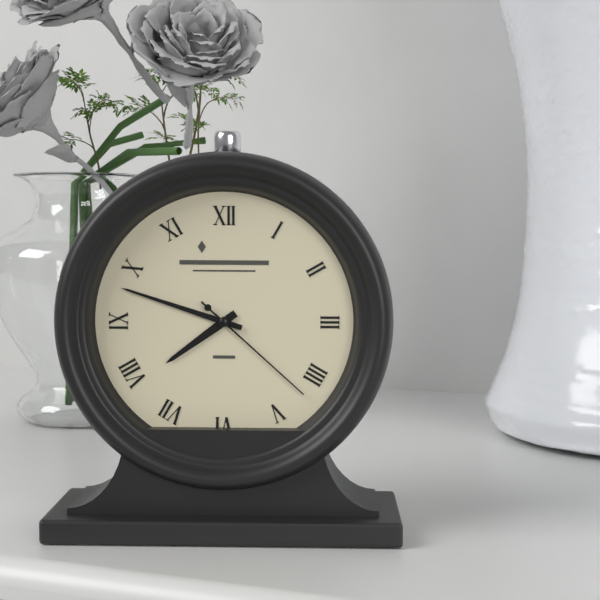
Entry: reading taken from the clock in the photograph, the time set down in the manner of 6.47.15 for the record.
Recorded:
7.48.22
